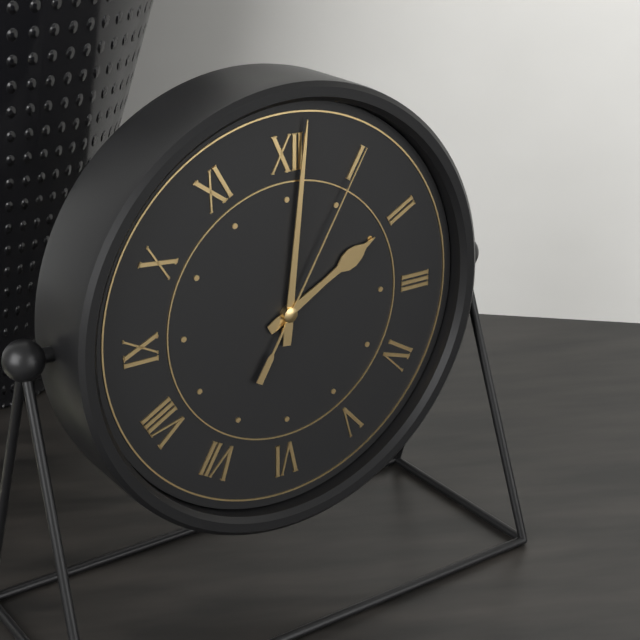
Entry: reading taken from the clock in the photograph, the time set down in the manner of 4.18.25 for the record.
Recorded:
2.01.05
